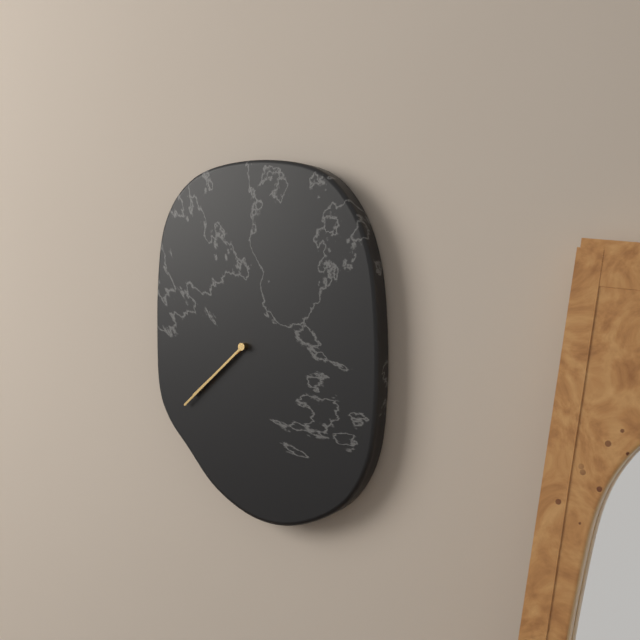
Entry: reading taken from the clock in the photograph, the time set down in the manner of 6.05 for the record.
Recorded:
7.38
